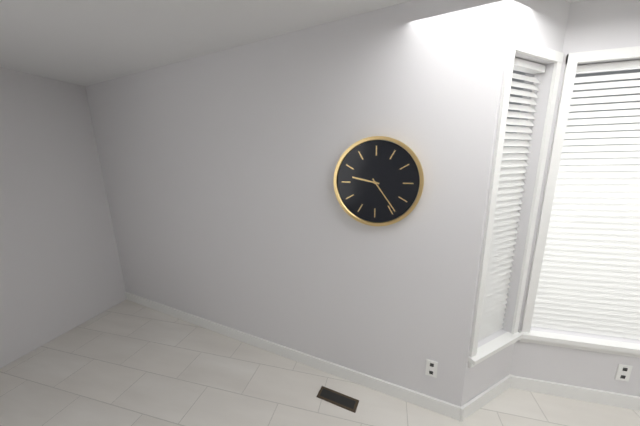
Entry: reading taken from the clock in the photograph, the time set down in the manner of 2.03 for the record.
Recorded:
9.24
